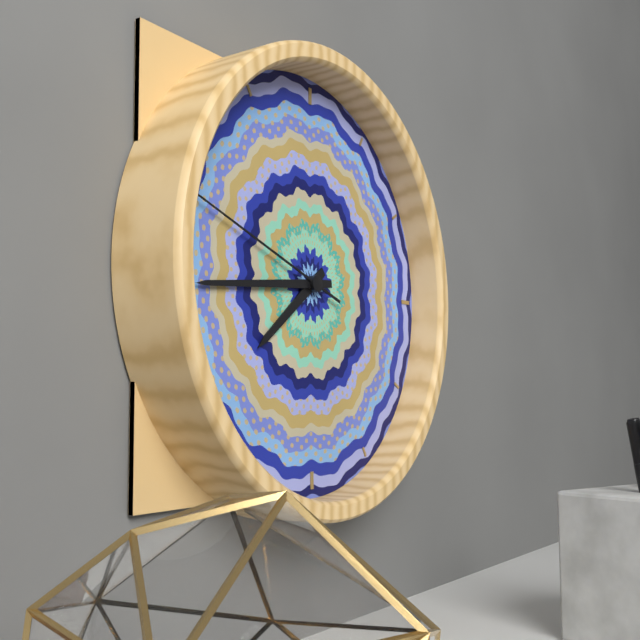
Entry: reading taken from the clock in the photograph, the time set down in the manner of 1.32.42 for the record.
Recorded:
7.44.48
